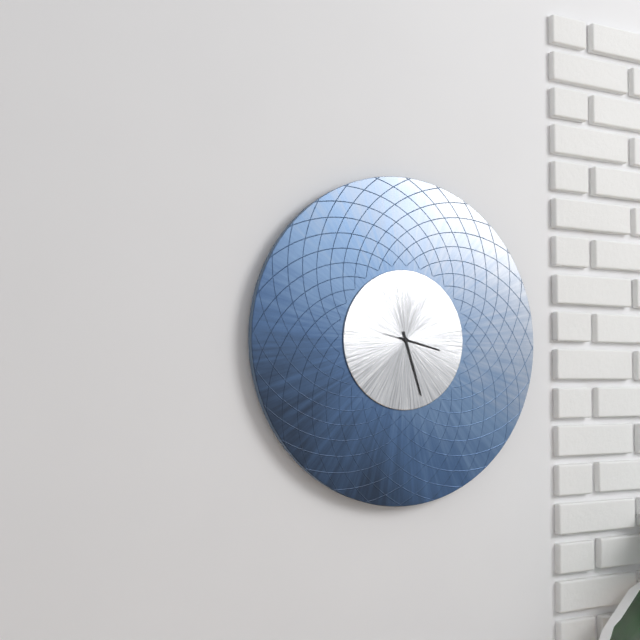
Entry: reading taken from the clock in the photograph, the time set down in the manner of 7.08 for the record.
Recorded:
3.27
